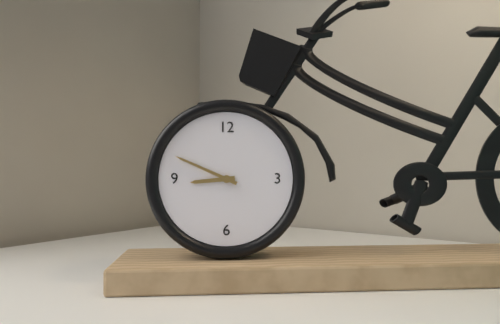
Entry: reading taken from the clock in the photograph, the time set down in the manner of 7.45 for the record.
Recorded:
8.49
